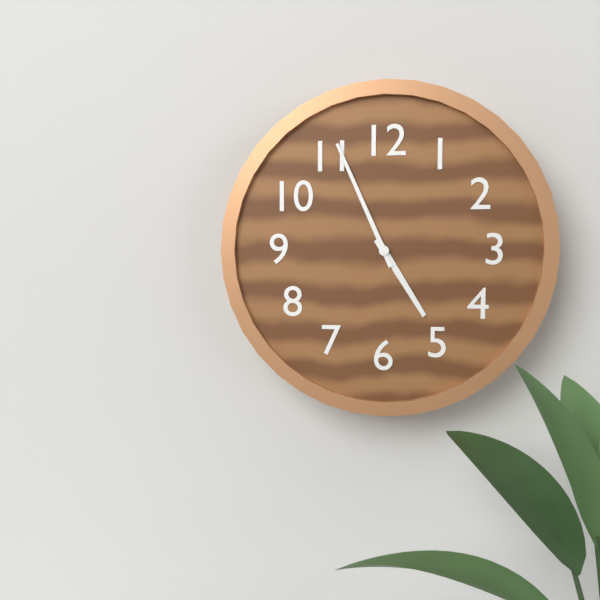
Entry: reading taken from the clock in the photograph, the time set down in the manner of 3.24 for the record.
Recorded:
4.56
